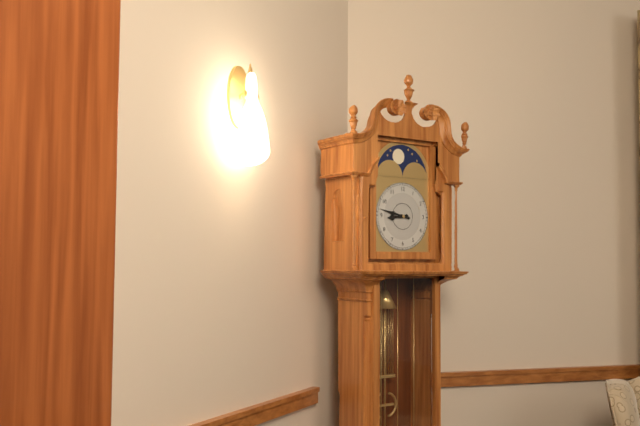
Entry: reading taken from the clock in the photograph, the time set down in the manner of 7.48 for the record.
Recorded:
8.47
